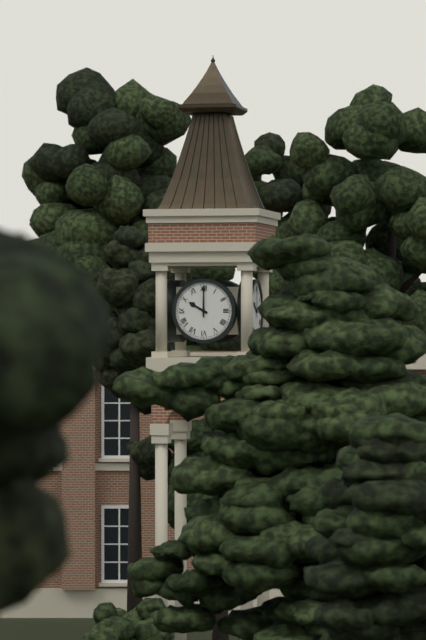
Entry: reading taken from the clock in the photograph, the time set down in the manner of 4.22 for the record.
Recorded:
10.00
